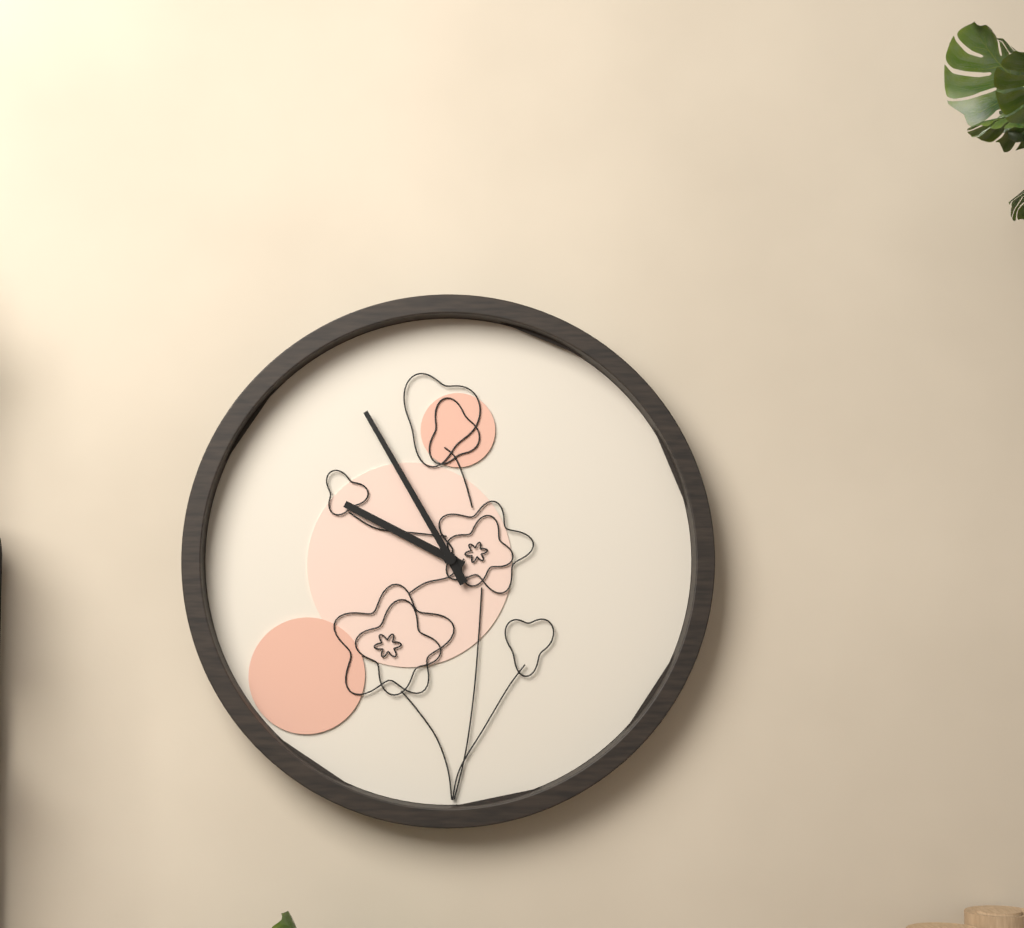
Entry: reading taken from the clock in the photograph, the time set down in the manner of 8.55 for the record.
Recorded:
9.55
